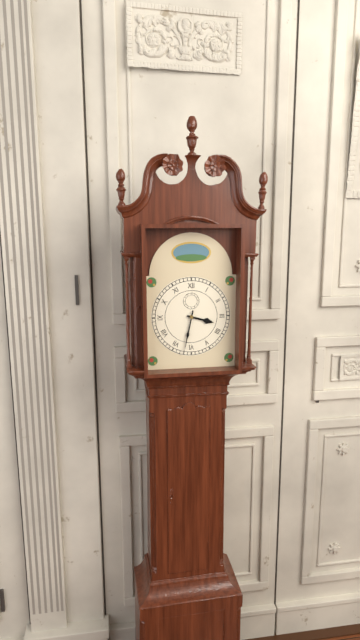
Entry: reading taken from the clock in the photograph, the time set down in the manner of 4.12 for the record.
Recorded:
3.32
